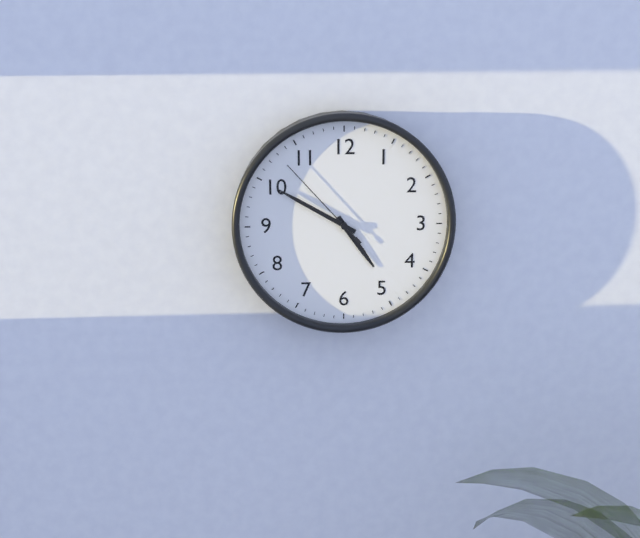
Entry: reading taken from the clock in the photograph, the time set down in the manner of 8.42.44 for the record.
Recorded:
4.50.53
